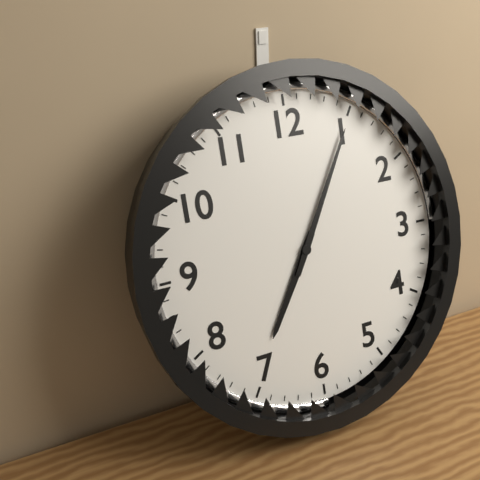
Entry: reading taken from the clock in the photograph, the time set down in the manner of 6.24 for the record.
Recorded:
7.05
